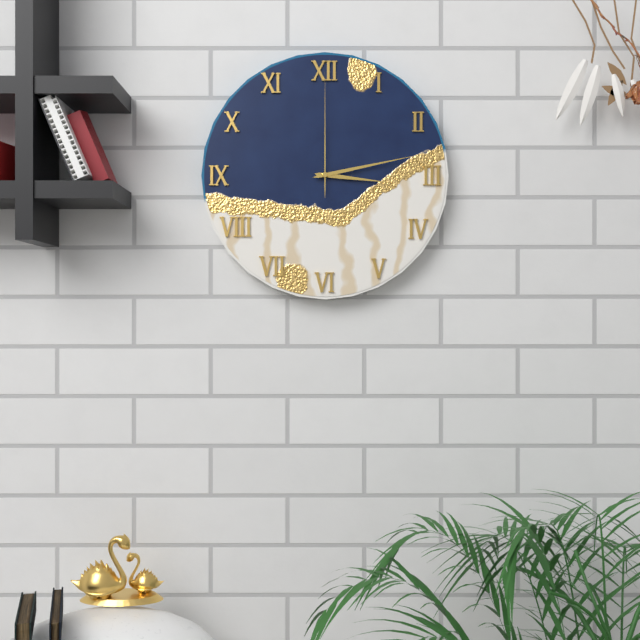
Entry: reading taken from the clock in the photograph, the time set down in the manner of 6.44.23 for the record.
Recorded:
3.13.00
